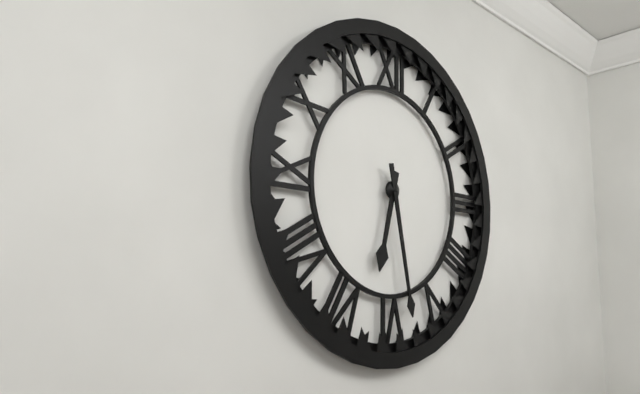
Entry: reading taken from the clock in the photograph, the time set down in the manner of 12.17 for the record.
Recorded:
6.28
